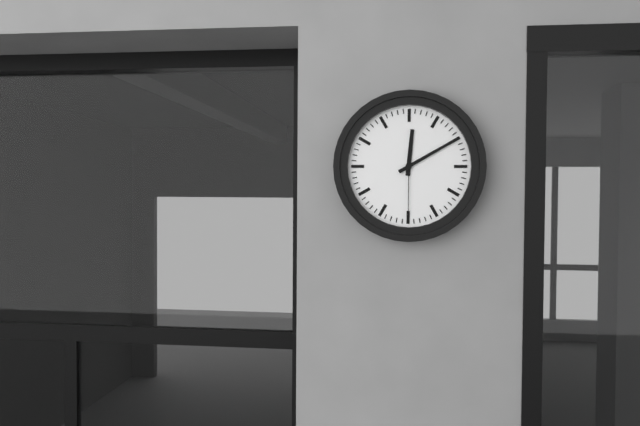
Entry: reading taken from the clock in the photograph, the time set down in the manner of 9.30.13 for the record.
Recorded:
12.10.30
